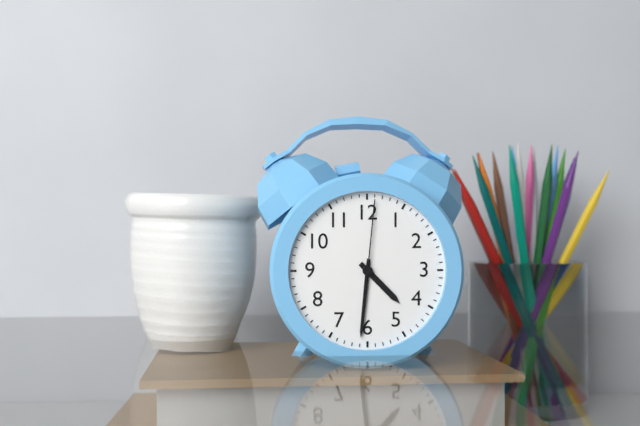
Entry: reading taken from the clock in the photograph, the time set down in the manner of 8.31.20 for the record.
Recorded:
4.31.01
